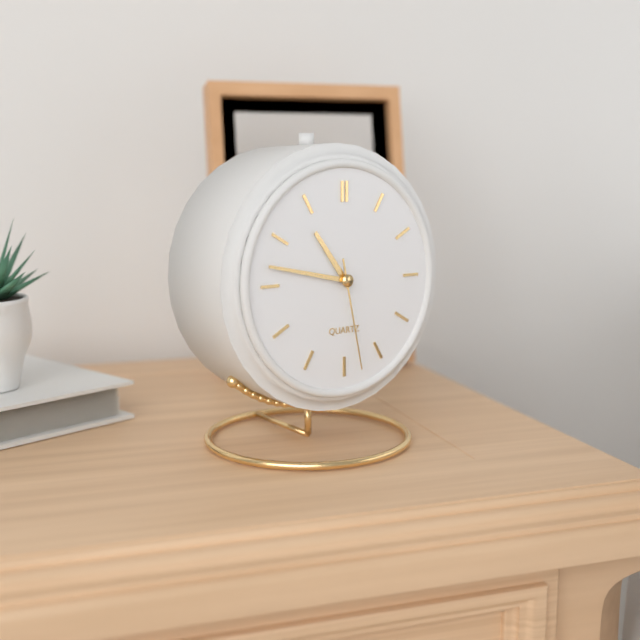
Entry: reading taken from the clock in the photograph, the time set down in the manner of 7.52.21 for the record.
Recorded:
10.47.28
